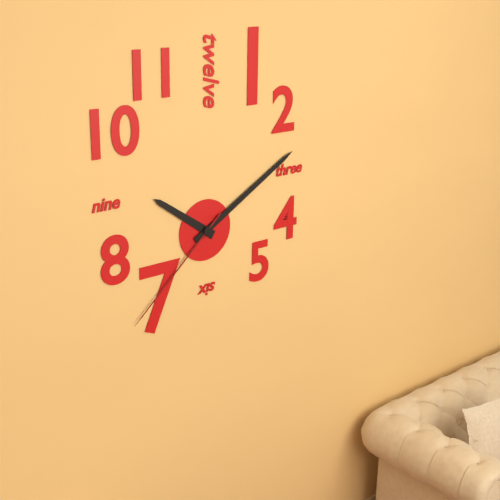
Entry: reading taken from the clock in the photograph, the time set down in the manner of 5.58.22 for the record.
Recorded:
10.10.38
